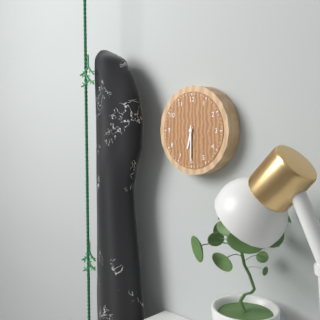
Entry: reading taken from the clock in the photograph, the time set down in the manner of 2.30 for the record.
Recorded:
6.30
